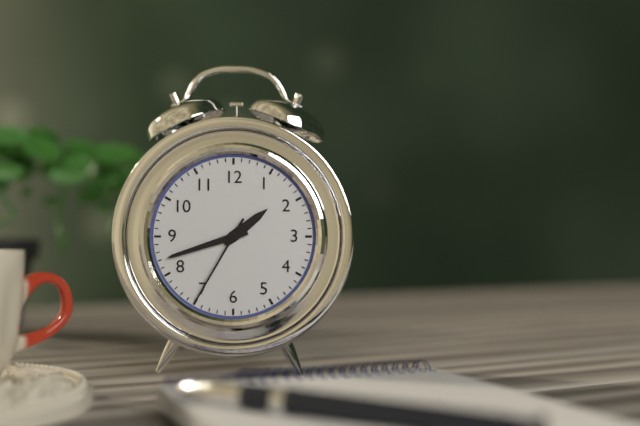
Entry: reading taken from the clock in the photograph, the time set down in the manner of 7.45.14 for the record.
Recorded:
1.42.35
